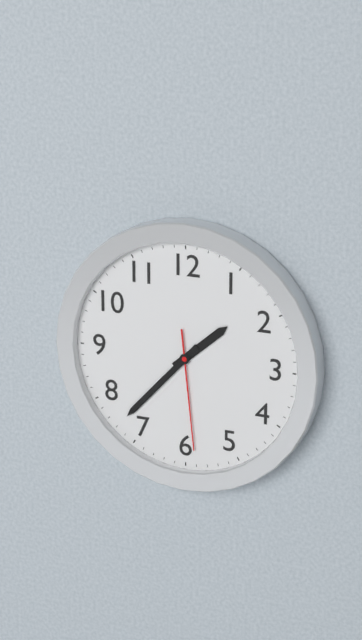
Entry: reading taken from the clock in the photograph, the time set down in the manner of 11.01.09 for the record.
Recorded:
1.37.29
